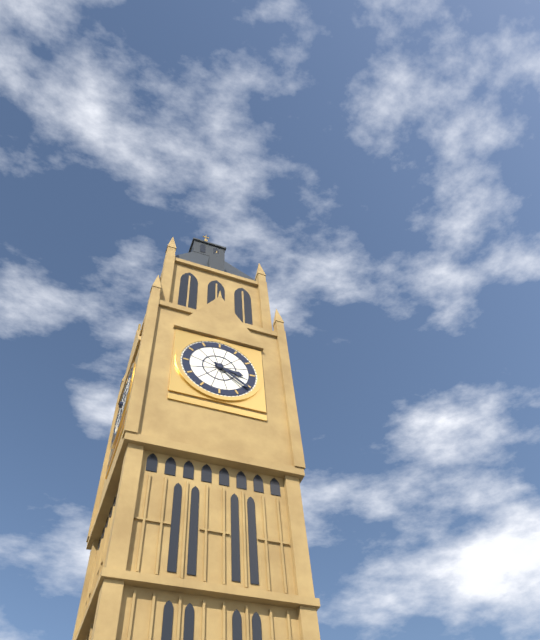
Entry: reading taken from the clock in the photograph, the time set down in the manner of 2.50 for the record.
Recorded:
3.21
